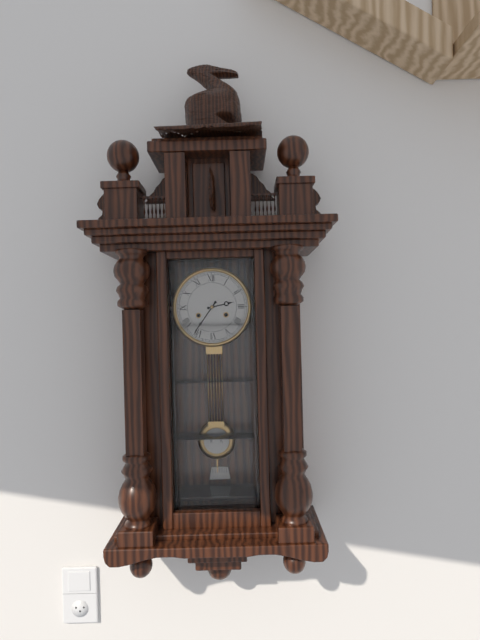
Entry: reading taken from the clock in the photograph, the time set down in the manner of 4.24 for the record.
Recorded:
2.36
